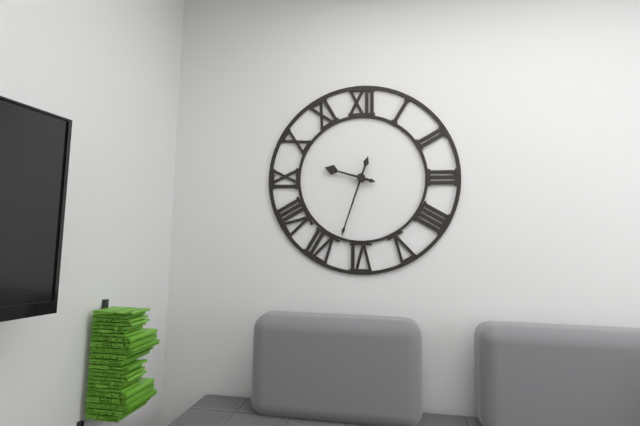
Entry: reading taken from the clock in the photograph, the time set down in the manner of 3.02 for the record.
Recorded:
9.33
